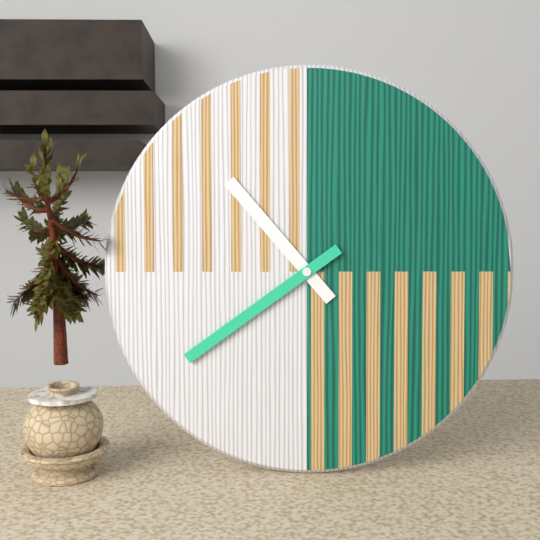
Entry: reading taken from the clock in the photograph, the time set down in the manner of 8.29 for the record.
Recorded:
10.39
